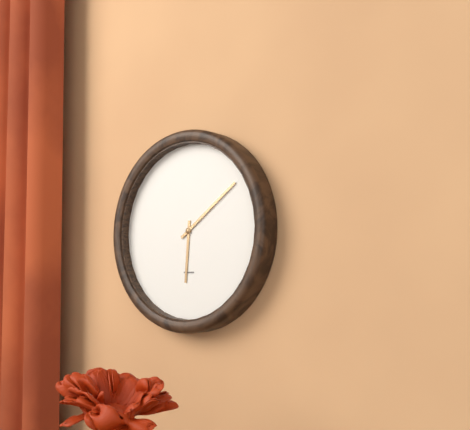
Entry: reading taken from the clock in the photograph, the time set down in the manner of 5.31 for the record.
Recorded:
6.09
